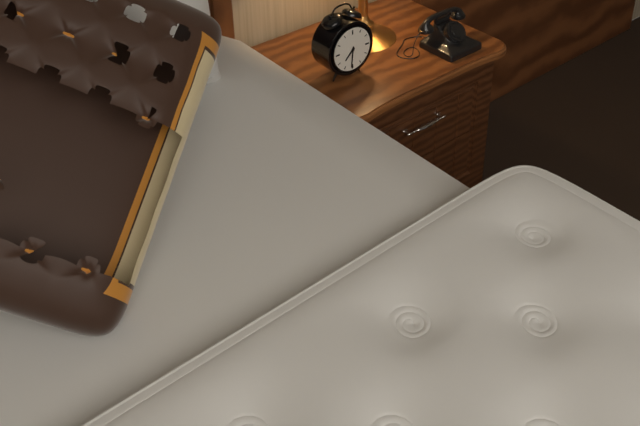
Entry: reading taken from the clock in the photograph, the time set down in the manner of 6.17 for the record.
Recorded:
7.31
